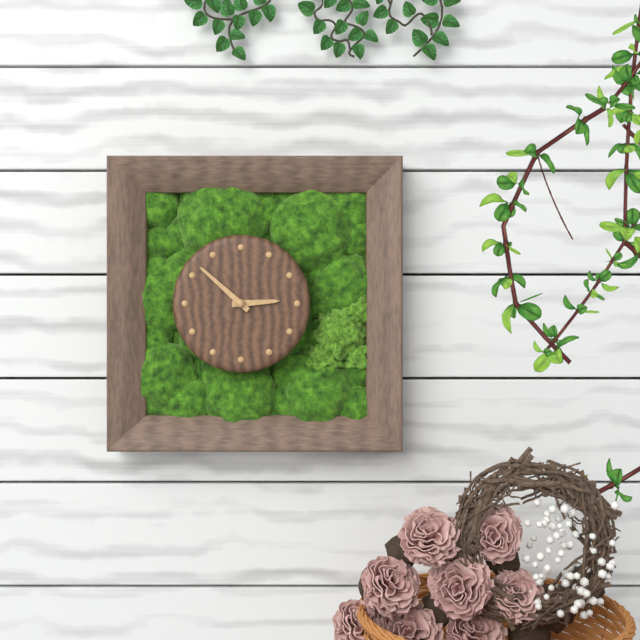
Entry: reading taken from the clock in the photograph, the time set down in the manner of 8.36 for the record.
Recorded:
2.52
